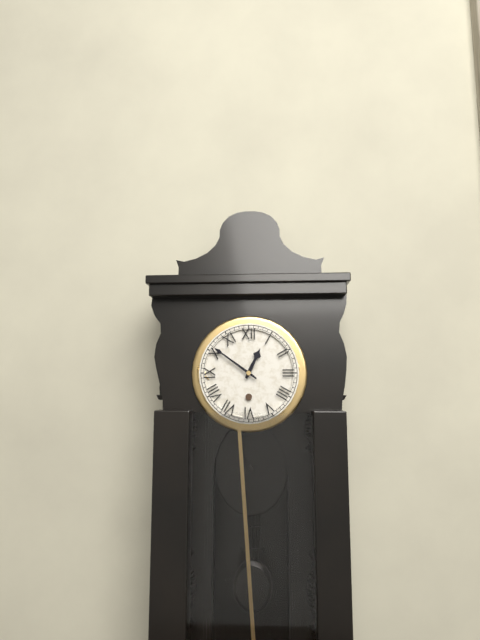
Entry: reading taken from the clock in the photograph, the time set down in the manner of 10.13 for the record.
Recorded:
12.51
